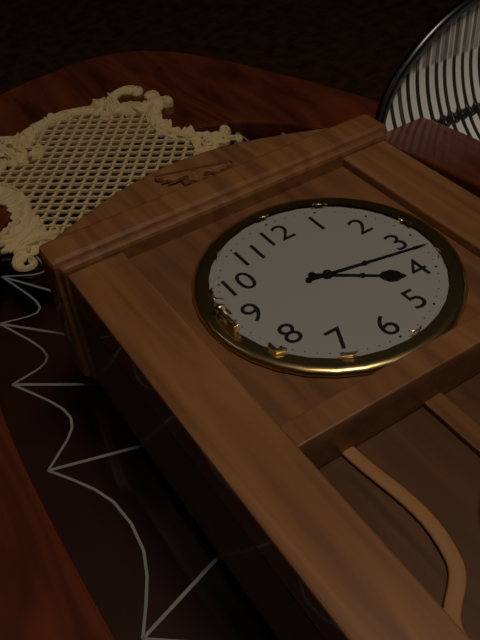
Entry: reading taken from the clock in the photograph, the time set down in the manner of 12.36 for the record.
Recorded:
4.17
